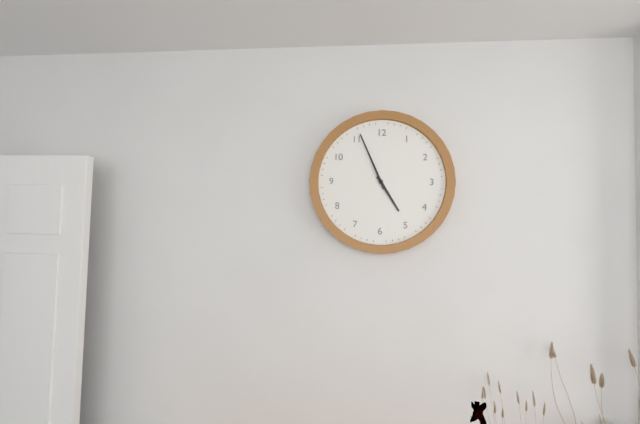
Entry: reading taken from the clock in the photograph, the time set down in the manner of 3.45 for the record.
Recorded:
4.56
